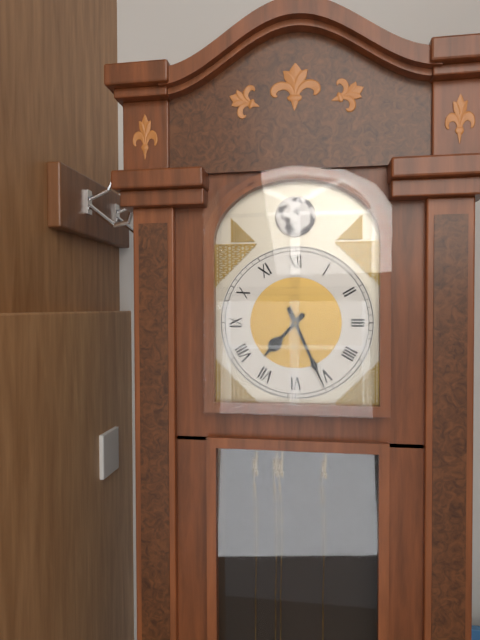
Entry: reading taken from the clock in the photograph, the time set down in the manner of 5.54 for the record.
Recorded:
7.26
